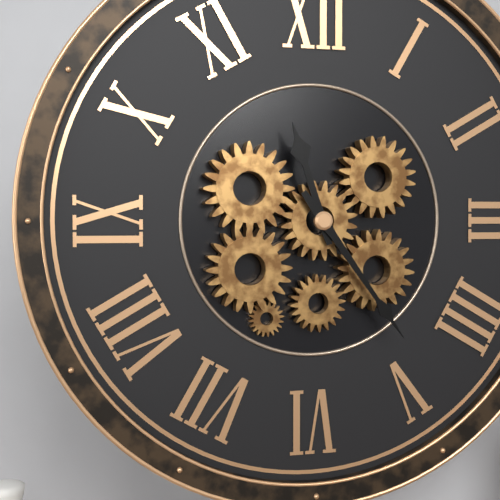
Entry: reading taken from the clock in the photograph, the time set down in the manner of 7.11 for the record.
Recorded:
11.24
